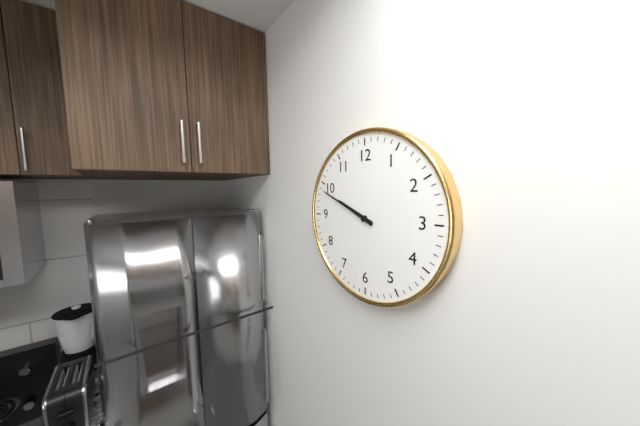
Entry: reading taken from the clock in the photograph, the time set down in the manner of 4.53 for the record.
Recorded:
9.49
